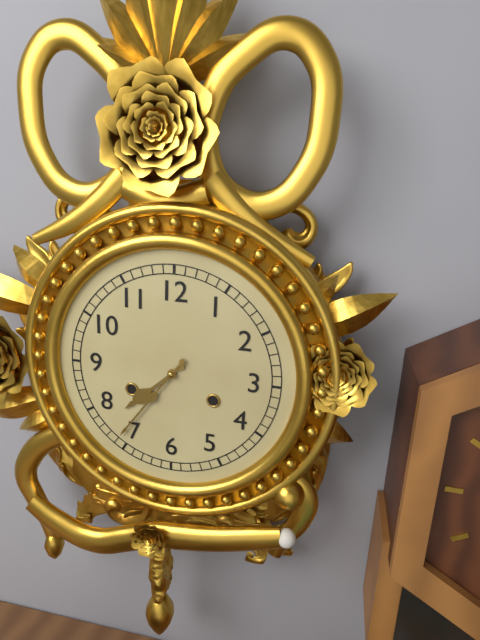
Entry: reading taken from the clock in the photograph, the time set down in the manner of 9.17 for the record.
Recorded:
7.36
